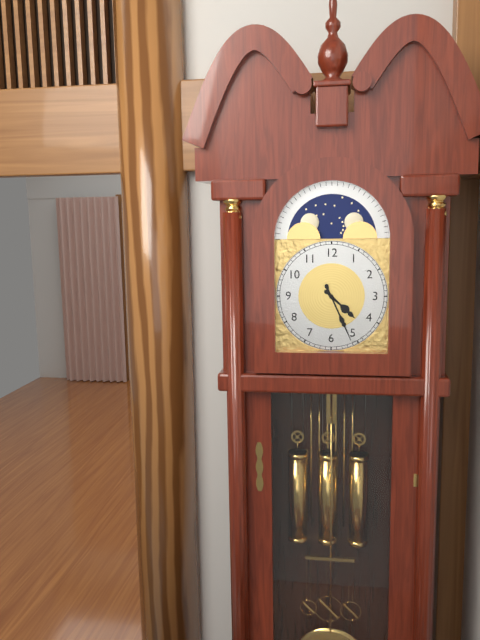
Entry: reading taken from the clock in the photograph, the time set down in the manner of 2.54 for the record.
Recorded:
4.26
